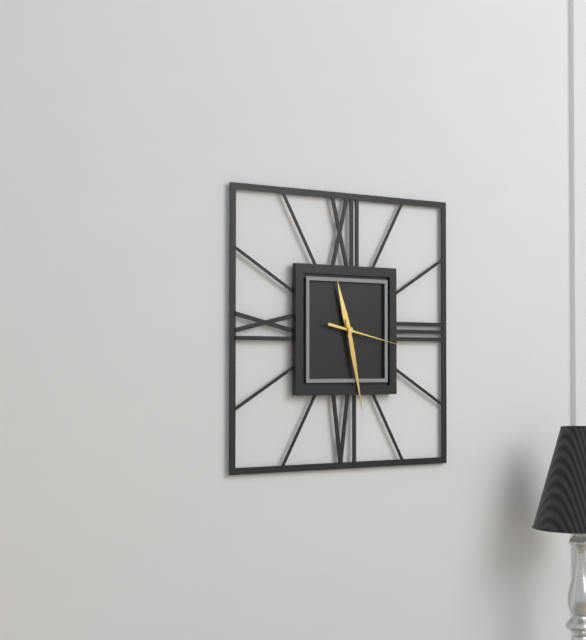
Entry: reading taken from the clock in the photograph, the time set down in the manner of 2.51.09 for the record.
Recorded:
11.28.17
